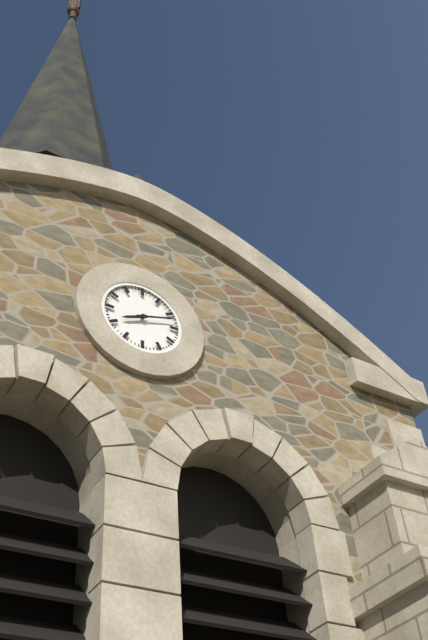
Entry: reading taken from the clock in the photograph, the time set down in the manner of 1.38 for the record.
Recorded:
8.12
